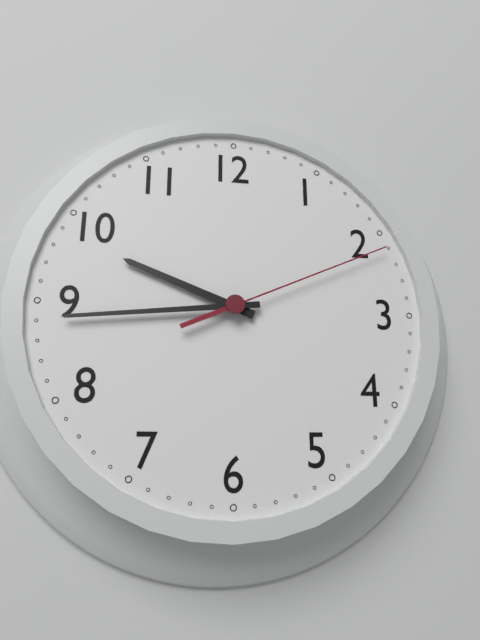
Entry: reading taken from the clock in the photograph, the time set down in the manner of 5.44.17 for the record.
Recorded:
9.44.11
